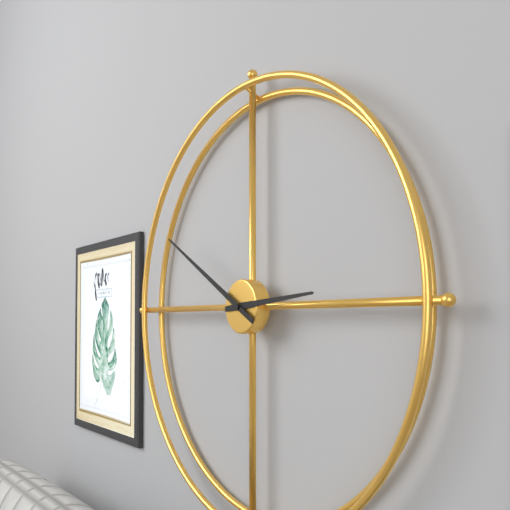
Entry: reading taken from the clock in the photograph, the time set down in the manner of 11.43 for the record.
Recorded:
2.50
